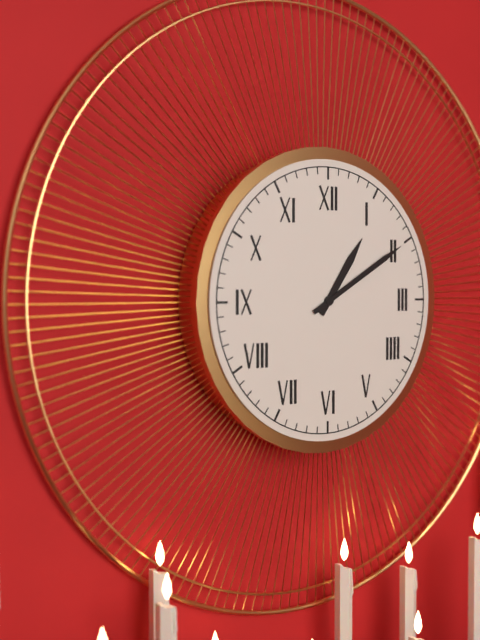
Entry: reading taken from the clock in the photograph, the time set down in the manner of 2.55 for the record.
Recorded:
1.10
